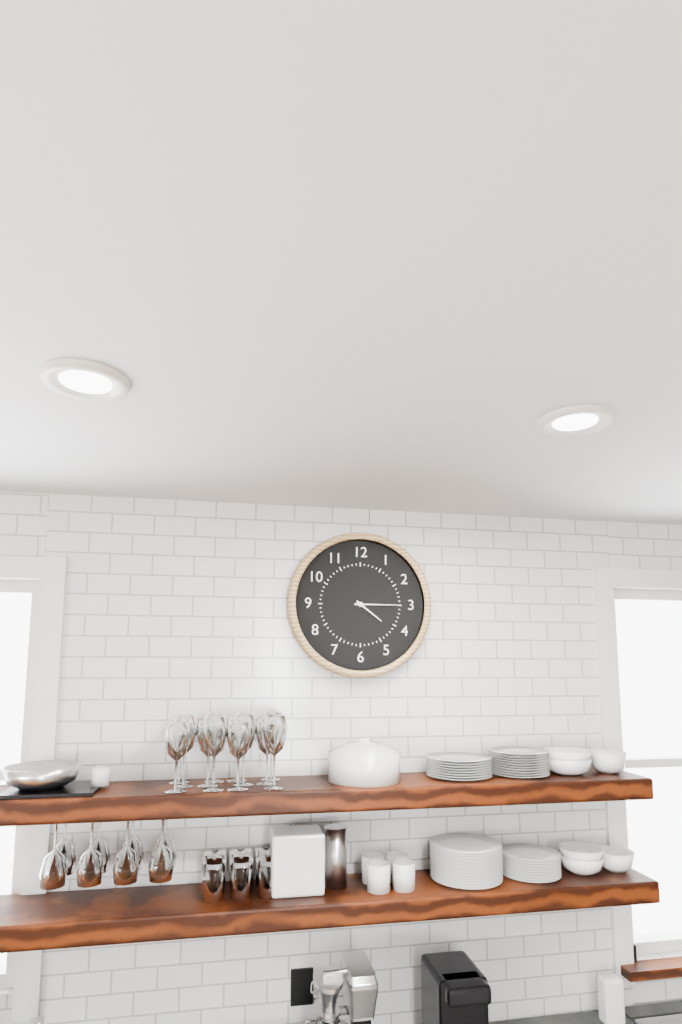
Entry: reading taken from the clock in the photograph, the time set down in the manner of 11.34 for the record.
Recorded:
4.15
